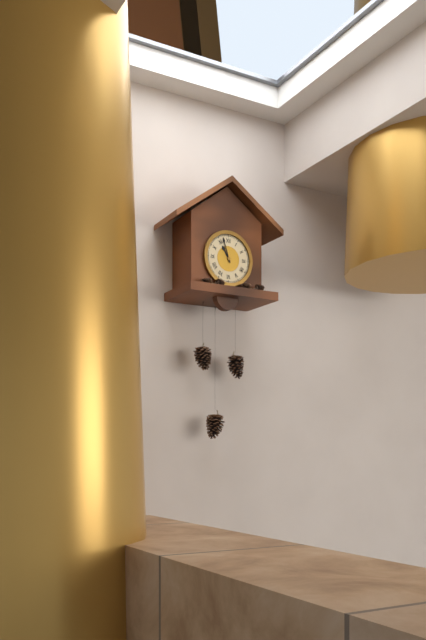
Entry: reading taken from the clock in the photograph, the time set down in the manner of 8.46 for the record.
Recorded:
10.57
